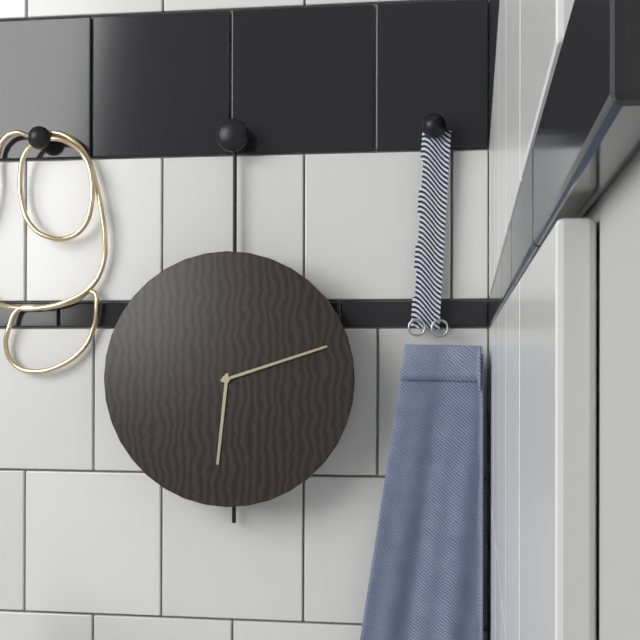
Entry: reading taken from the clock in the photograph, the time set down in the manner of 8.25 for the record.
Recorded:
6.12
